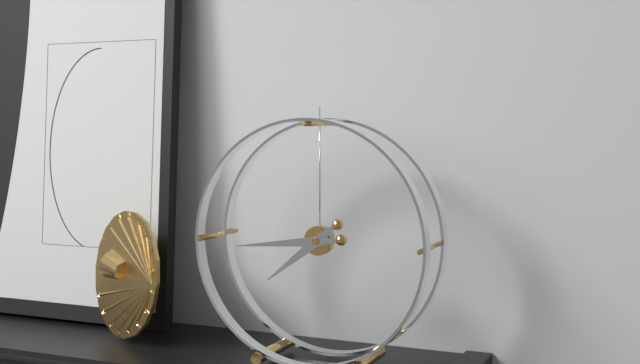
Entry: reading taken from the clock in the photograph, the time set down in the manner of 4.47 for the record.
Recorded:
7.44
